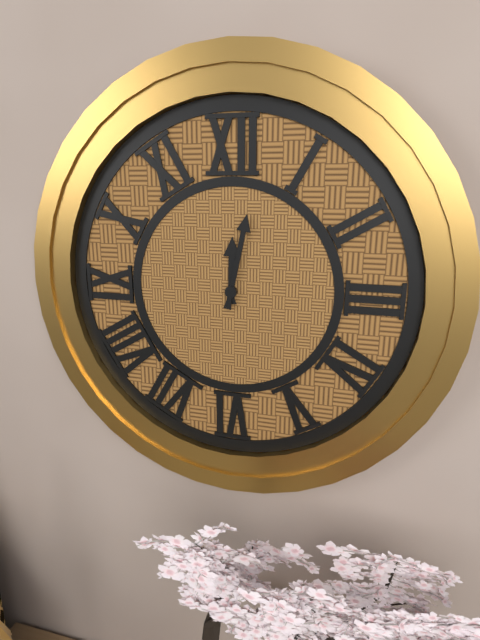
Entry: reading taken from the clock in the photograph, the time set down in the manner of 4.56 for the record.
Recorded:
12.02
